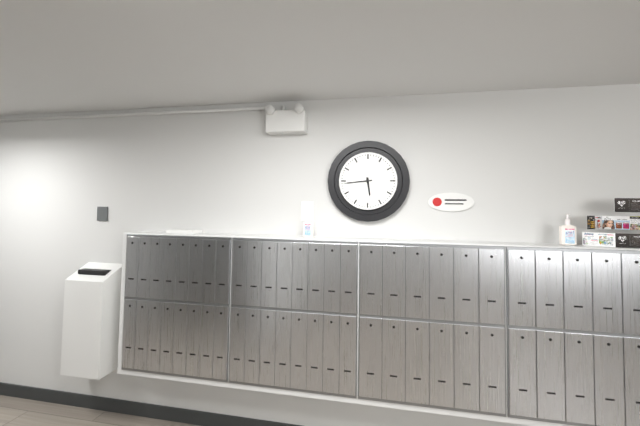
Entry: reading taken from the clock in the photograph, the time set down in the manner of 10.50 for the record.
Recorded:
5.44
